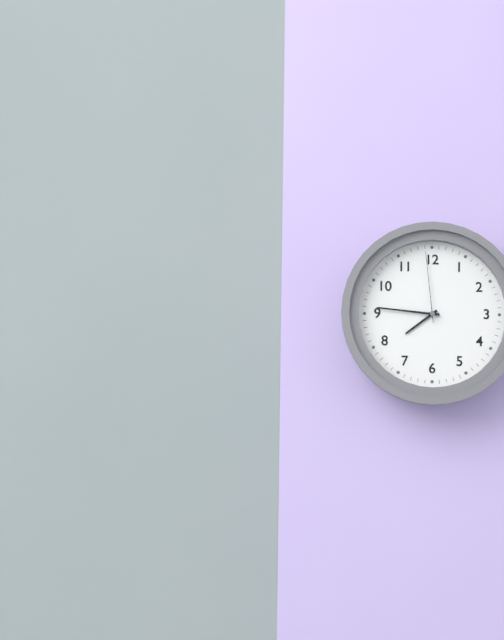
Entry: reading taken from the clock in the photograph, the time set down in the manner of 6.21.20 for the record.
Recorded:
7.46.59
